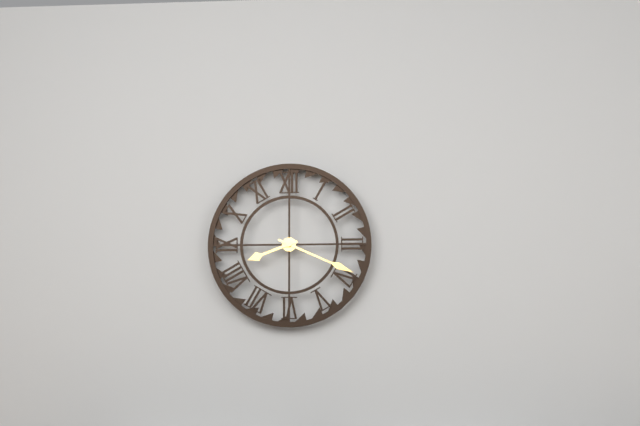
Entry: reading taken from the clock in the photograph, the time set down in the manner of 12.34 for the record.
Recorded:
8.19
